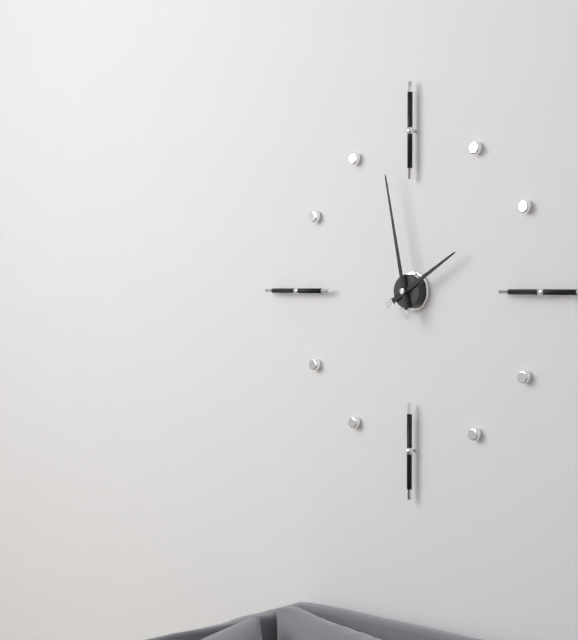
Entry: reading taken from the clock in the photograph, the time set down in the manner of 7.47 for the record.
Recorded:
1.58
